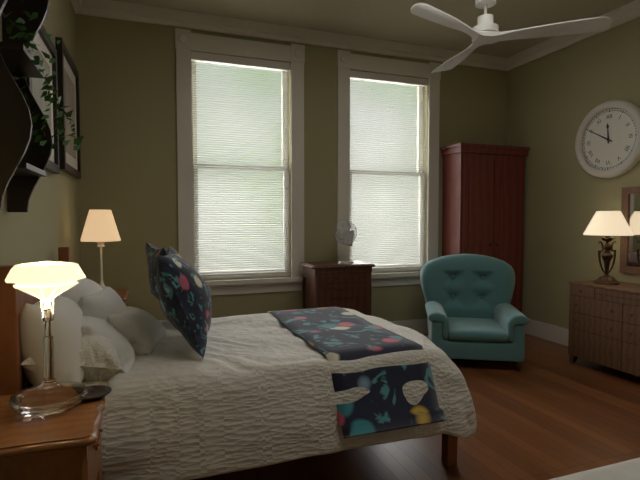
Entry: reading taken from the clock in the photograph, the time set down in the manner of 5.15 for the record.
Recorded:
11.50
